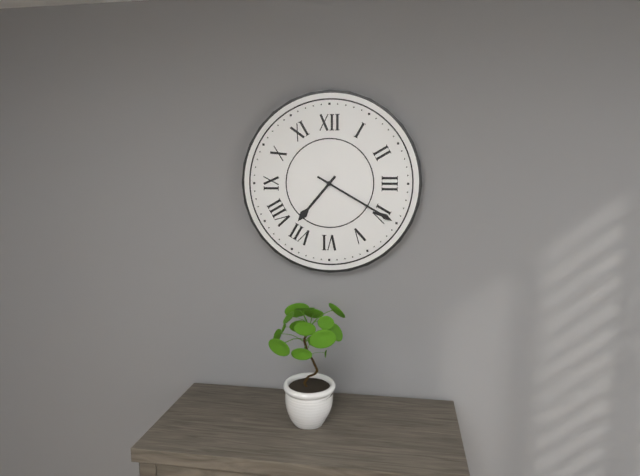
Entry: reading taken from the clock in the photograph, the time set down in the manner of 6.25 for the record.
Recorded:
7.20
